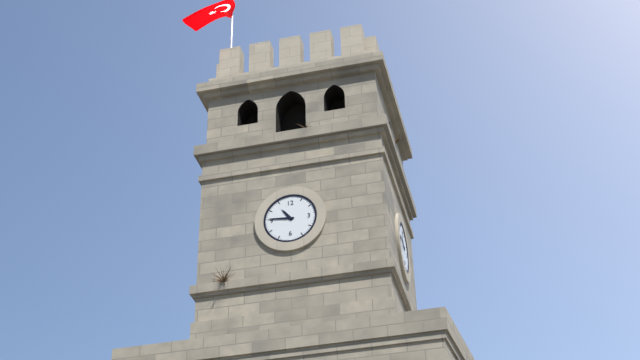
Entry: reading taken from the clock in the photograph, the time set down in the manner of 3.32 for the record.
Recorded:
10.46
